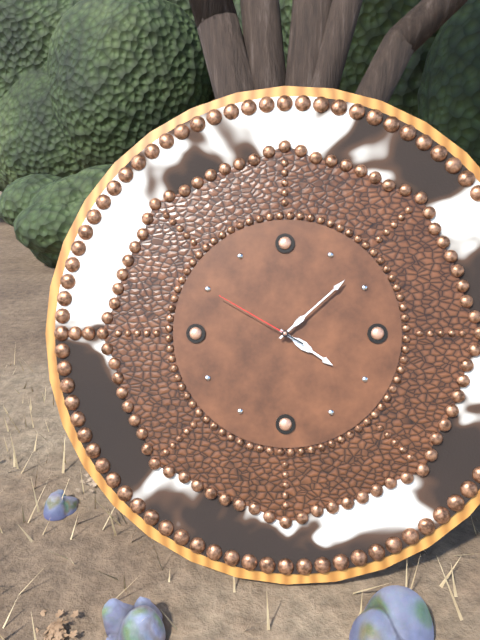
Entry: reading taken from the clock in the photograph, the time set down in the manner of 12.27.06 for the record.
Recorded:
4.08.50
